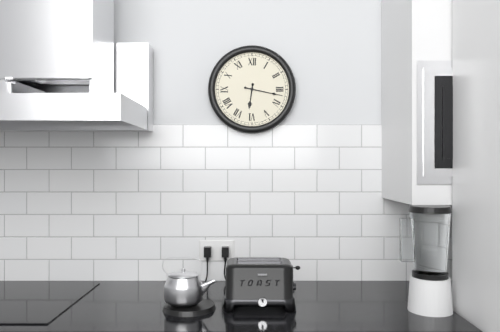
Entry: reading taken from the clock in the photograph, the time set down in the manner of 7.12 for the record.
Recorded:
6.17
